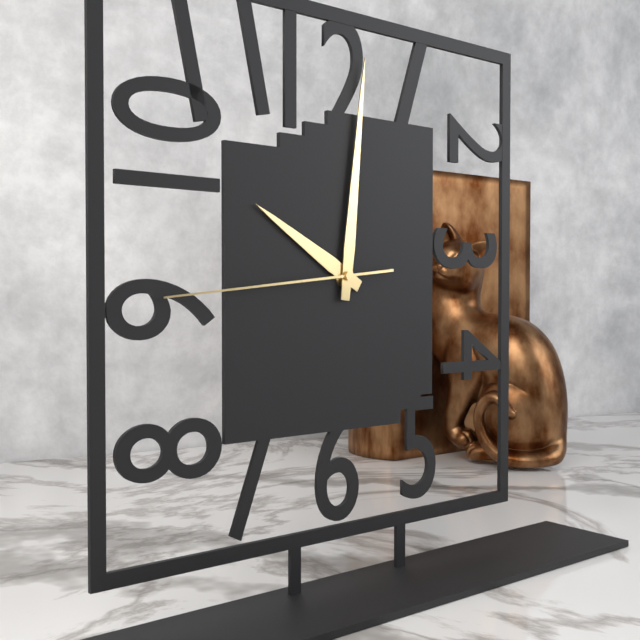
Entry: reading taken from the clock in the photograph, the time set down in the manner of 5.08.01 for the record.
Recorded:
10.01.44
